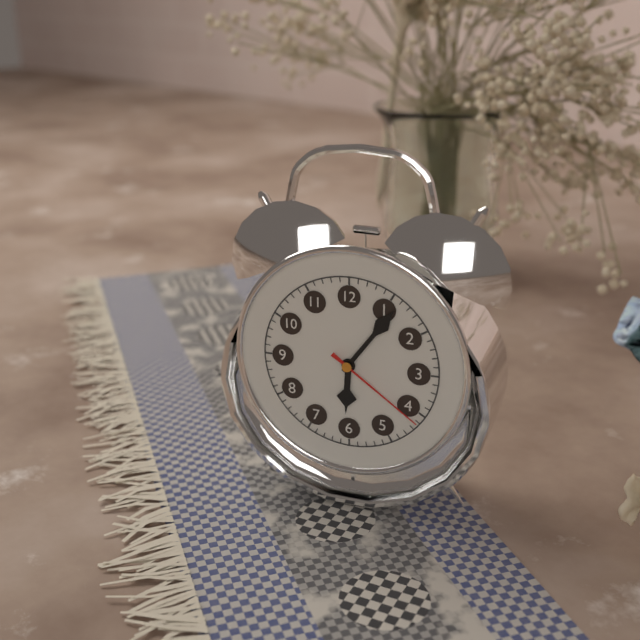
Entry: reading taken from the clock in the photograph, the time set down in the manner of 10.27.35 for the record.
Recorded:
6.06.21
